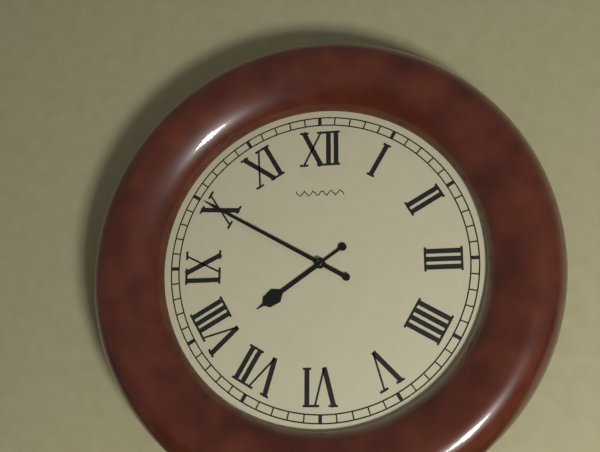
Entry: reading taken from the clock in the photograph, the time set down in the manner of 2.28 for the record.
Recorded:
7.50
